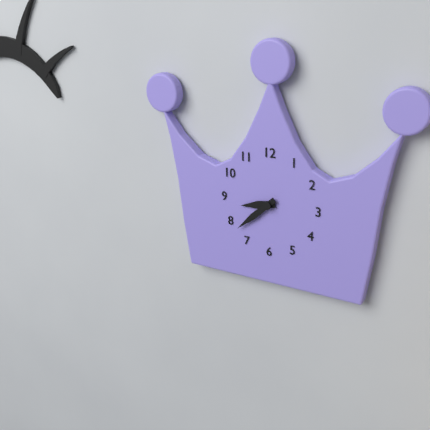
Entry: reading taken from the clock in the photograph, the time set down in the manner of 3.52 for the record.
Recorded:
8.38
